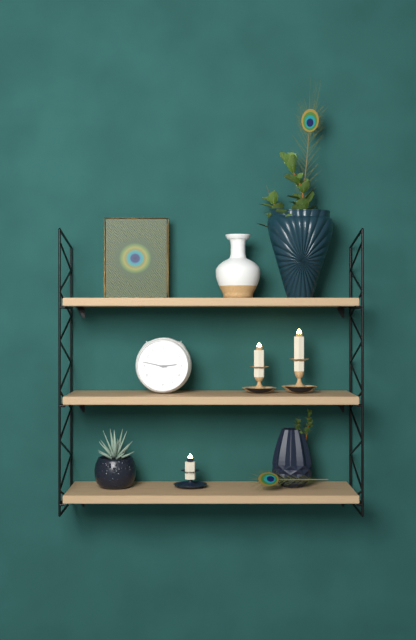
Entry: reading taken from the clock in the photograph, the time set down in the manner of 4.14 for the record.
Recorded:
2.47
